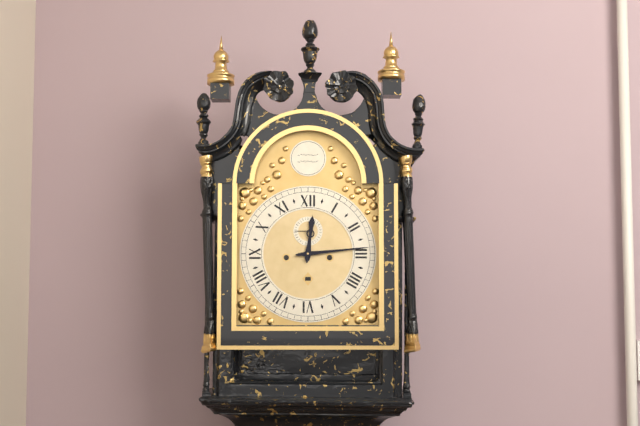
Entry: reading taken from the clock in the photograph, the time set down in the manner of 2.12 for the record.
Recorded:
12.14
